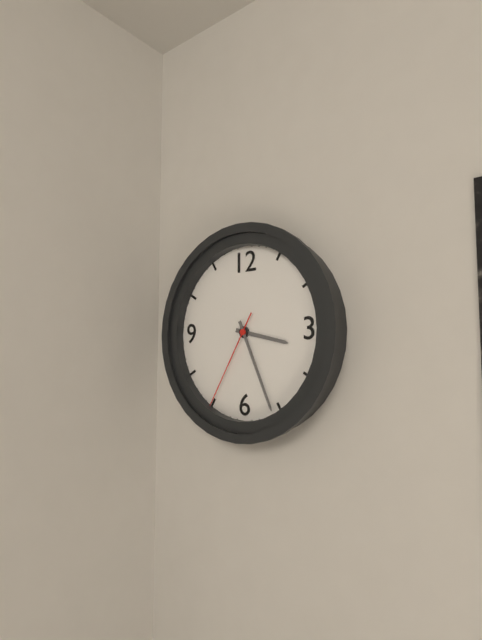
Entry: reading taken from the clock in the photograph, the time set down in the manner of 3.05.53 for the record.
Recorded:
3.26.35
